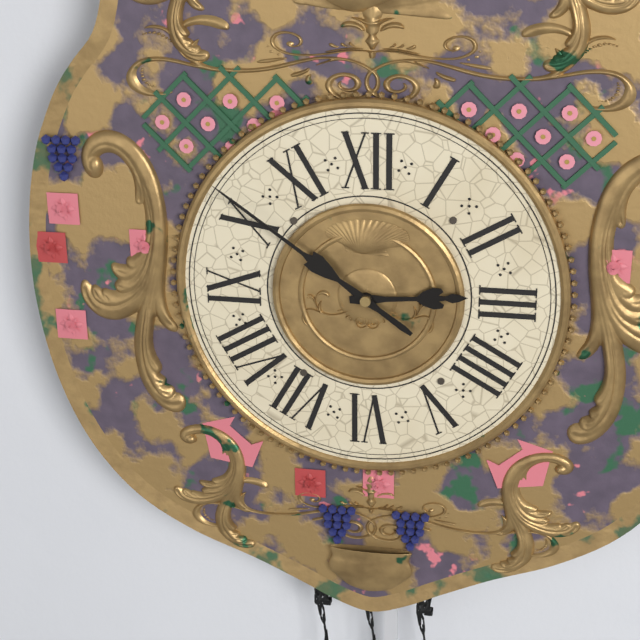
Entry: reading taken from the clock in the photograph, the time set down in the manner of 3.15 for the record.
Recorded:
2.51
